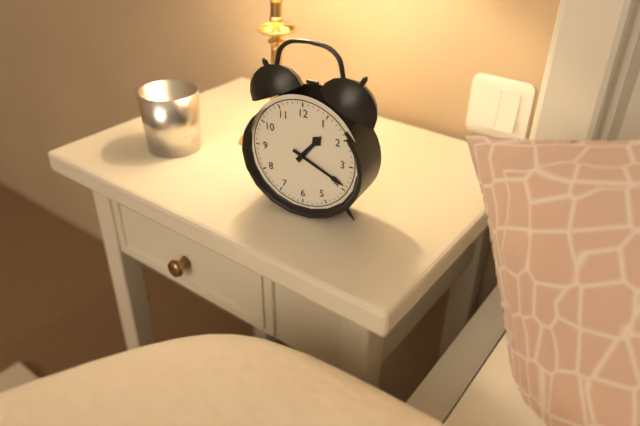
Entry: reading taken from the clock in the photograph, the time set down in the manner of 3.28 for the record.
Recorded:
1.19
